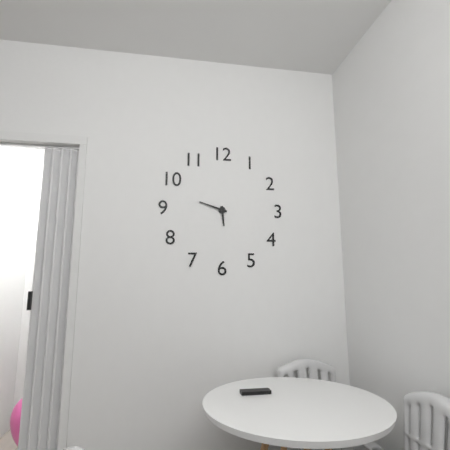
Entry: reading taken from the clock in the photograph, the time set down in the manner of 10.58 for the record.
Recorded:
5.48
